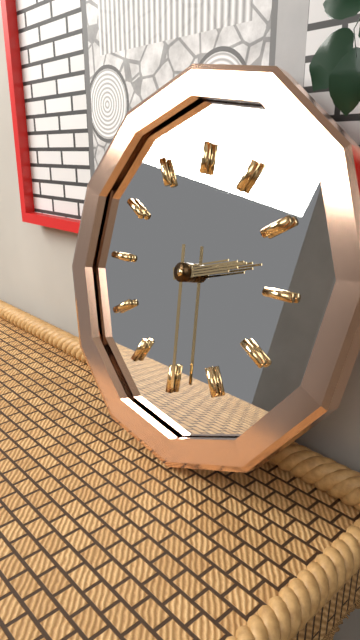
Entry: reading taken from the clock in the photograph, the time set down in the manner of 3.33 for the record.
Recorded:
2.29
